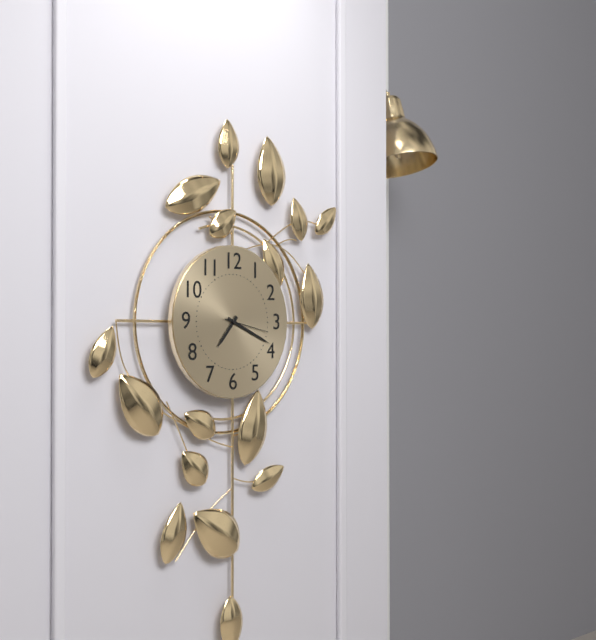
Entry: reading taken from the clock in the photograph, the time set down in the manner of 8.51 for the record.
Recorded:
7.19
